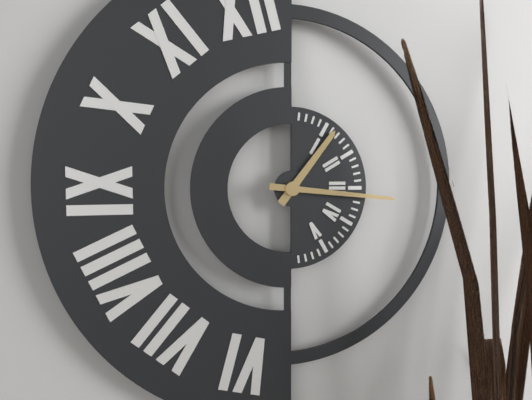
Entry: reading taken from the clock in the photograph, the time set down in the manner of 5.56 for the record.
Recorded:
1.16
